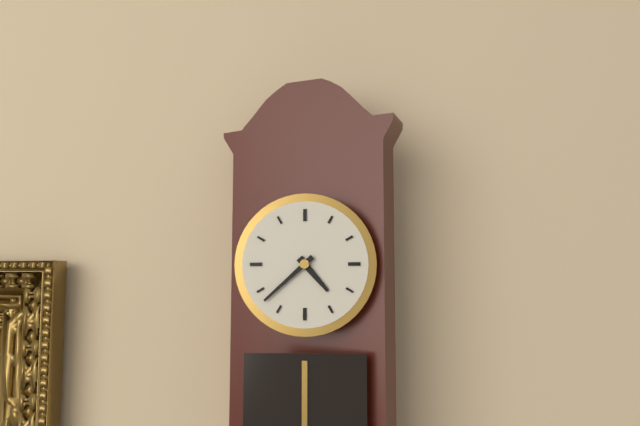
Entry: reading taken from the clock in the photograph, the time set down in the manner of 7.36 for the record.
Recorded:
4.38
